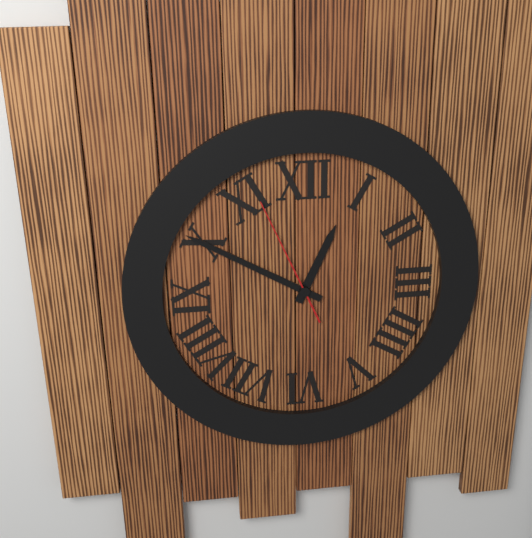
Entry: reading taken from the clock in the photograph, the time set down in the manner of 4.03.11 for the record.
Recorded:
12.50.56
